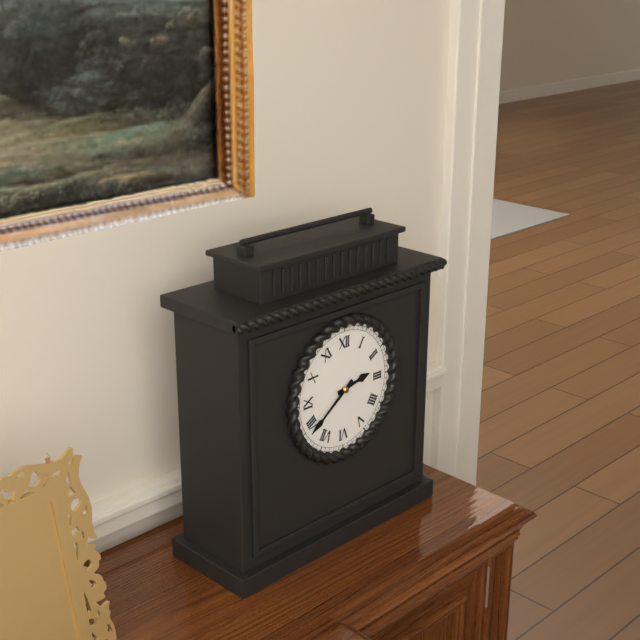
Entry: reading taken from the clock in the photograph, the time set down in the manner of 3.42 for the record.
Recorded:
2.39
